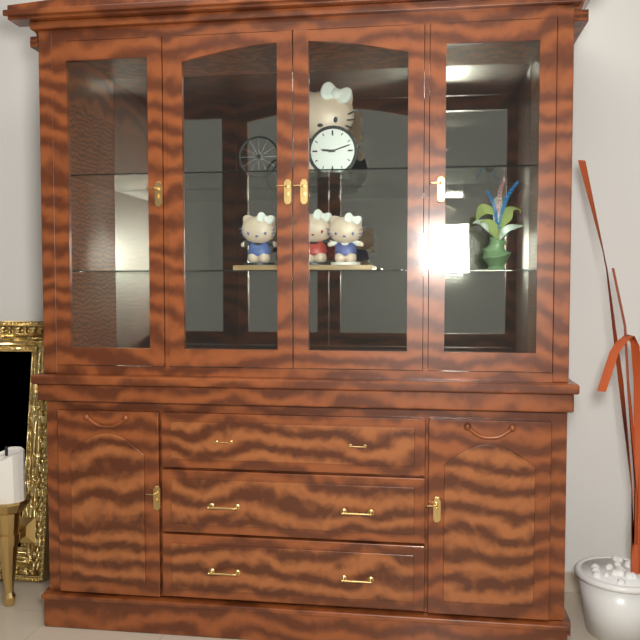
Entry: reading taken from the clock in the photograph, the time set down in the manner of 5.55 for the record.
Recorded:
9.12
